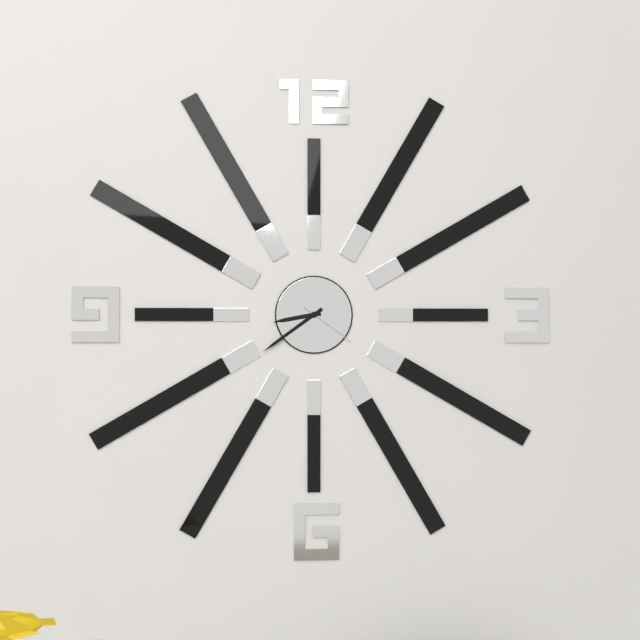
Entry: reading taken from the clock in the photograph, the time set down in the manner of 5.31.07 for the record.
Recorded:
8.39.21
